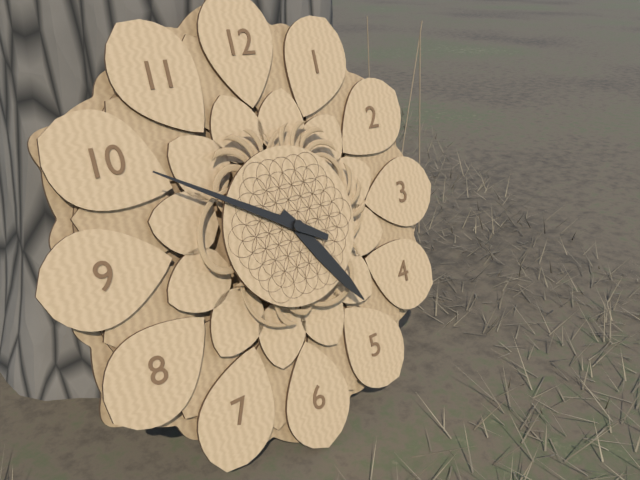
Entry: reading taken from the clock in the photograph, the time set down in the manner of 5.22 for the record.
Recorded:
4.50
